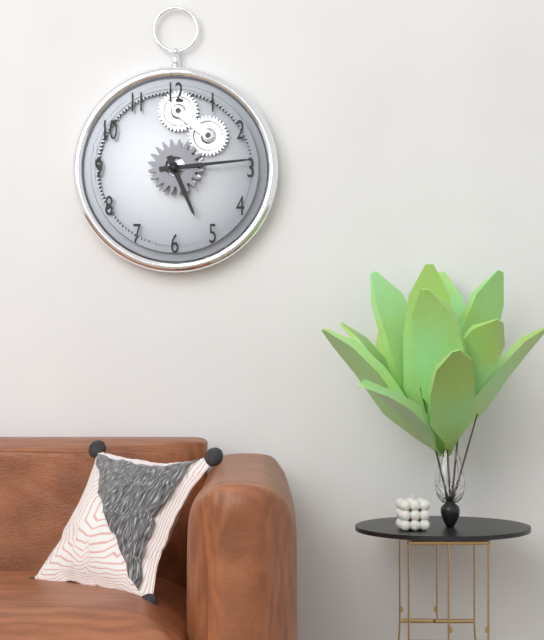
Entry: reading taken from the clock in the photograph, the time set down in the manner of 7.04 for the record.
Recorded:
5.14
